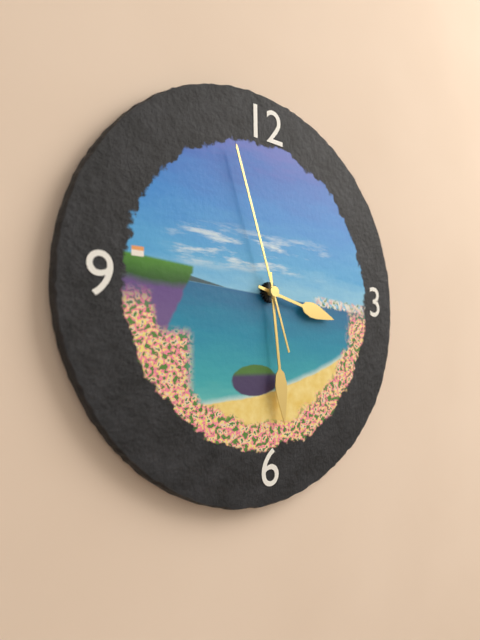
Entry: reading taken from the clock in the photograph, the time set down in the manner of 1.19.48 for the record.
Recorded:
3.29.57
